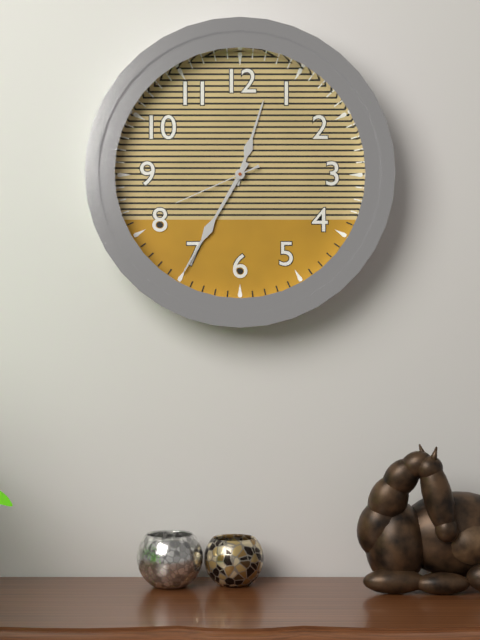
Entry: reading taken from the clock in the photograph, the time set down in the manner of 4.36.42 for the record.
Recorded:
12.35.41
